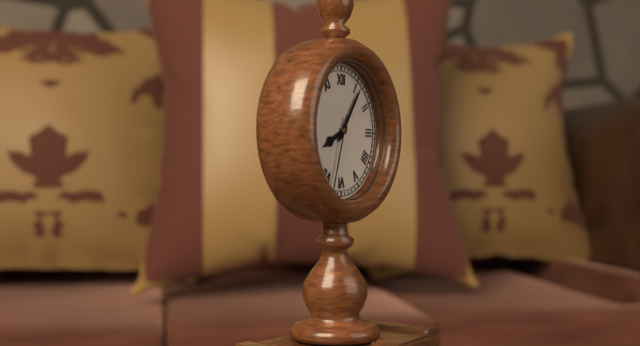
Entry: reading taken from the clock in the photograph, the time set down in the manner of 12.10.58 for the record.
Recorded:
8.06.33
